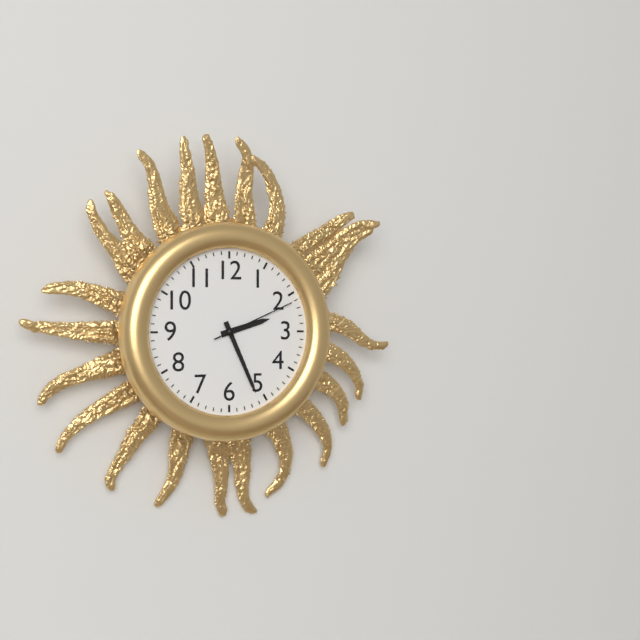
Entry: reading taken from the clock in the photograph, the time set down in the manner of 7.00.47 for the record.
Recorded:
2.26.11
